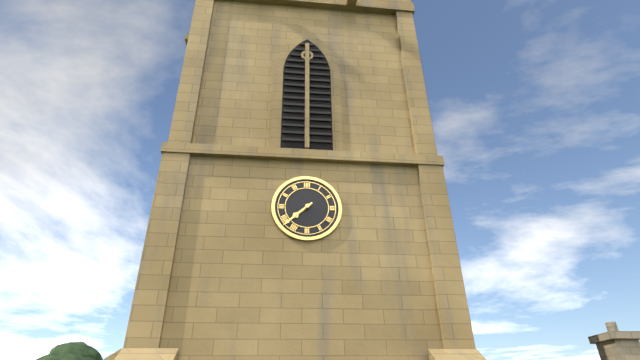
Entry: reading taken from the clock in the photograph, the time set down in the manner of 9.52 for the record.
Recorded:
7.38
